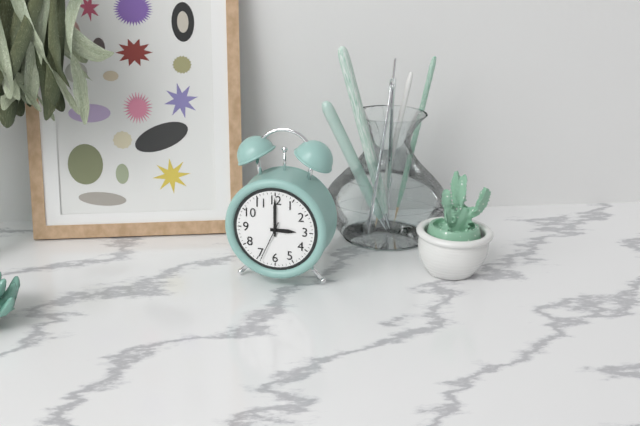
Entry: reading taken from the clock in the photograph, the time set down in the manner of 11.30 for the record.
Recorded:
3.00
